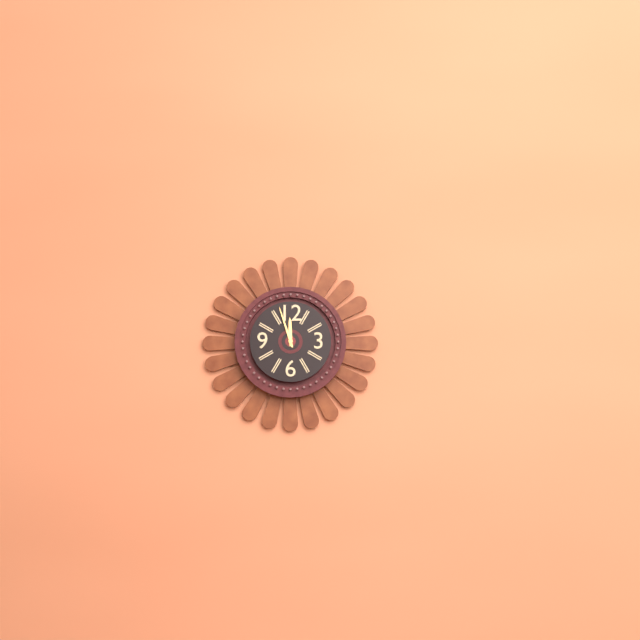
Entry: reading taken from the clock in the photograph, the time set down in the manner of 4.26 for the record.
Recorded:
11.57
